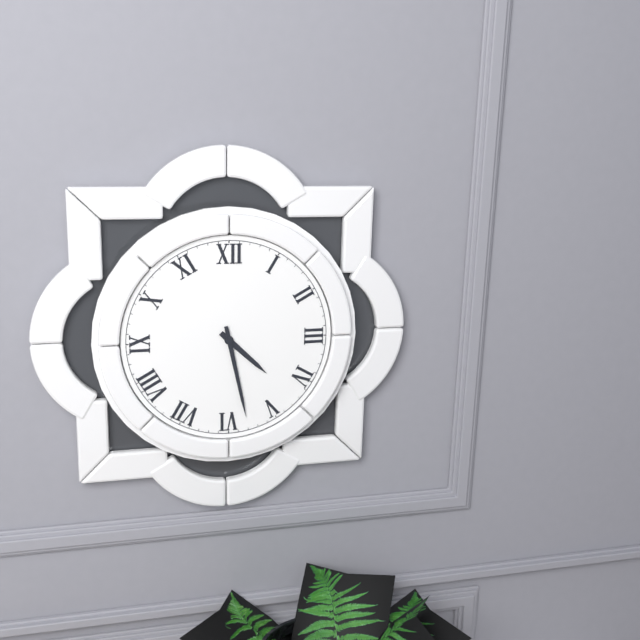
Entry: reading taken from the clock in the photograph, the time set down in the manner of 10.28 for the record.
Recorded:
4.28
